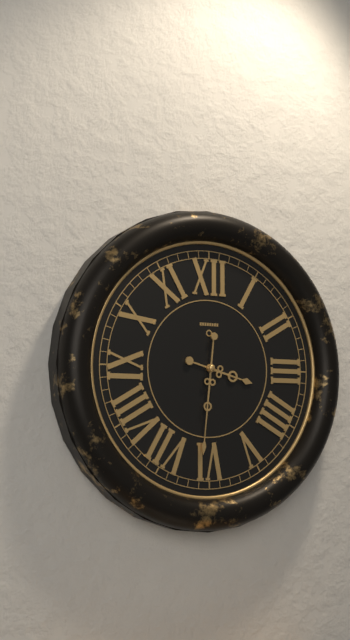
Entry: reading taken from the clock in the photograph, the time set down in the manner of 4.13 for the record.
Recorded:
3.31
